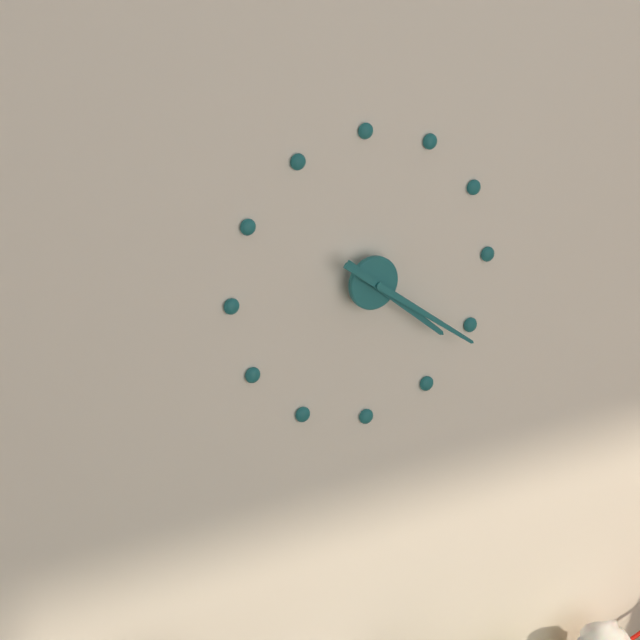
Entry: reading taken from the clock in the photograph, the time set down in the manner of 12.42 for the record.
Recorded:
4.21
